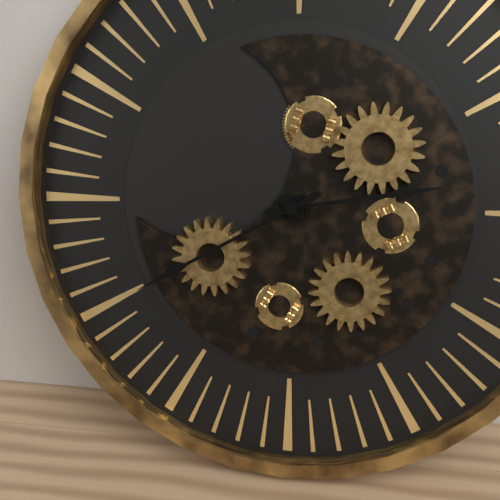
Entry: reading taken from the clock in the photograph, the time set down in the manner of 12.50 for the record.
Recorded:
2.40
